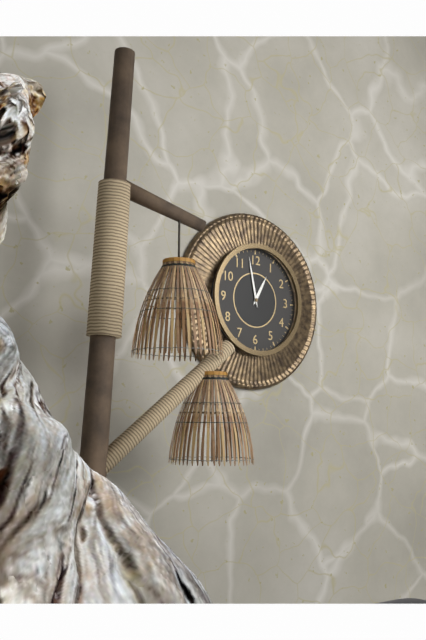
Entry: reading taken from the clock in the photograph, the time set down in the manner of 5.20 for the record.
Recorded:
12.58
